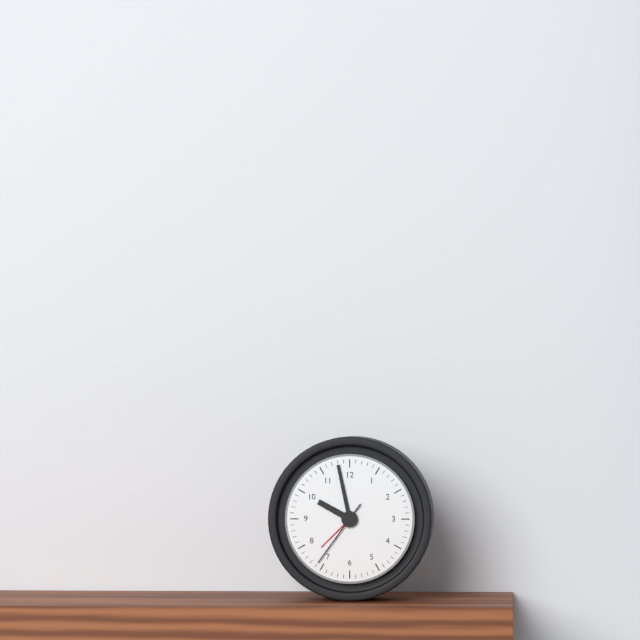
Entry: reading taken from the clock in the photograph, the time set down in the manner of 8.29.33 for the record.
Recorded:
9.58.36
